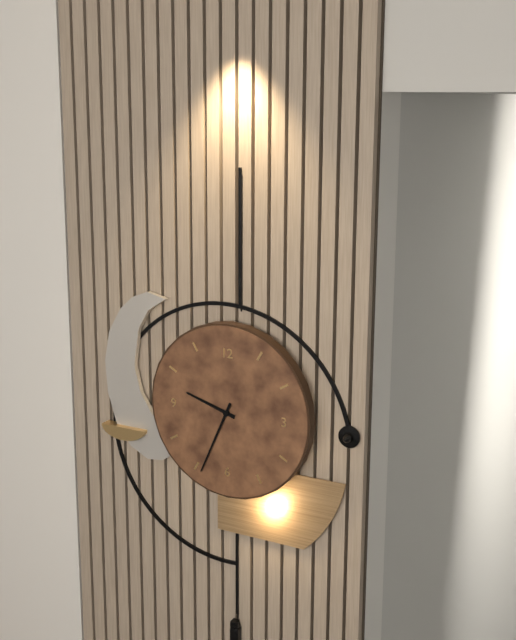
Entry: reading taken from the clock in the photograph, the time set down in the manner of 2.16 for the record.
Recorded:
9.34
